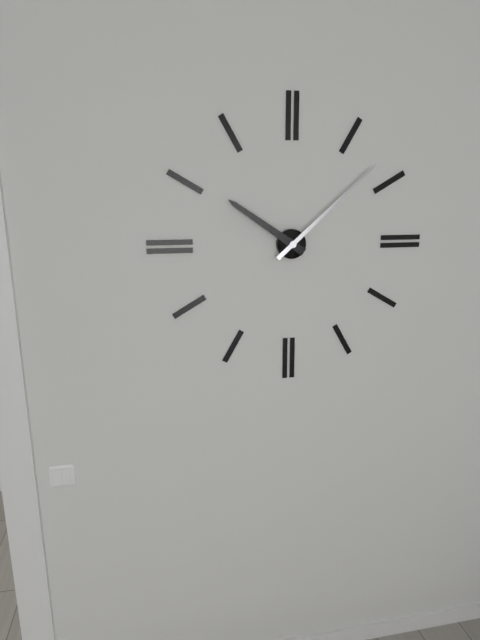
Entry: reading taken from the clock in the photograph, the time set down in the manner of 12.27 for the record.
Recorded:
10.08
